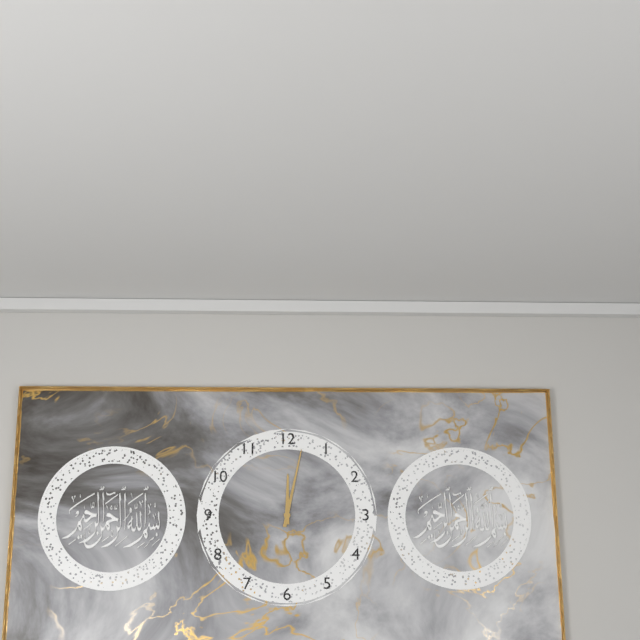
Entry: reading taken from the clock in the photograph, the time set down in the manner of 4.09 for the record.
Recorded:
12.02
